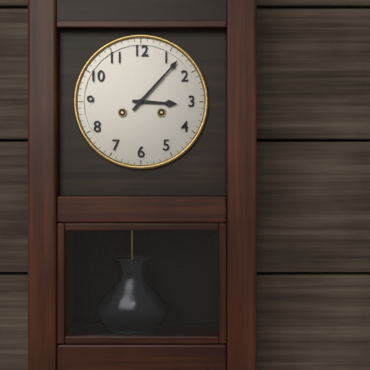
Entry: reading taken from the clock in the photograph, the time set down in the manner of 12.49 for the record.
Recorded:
3.07
